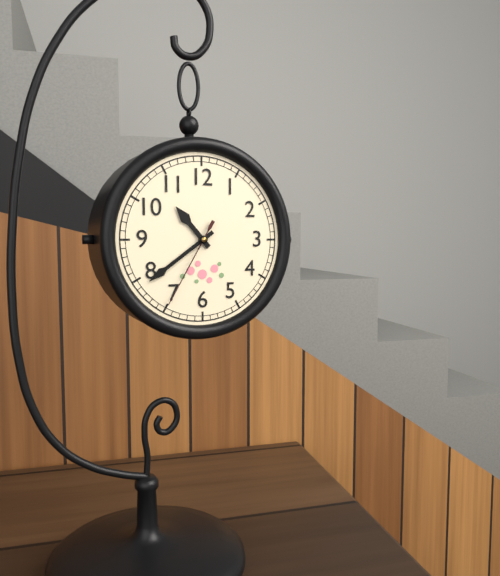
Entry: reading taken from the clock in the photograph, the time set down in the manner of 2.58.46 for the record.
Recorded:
10.39.35
